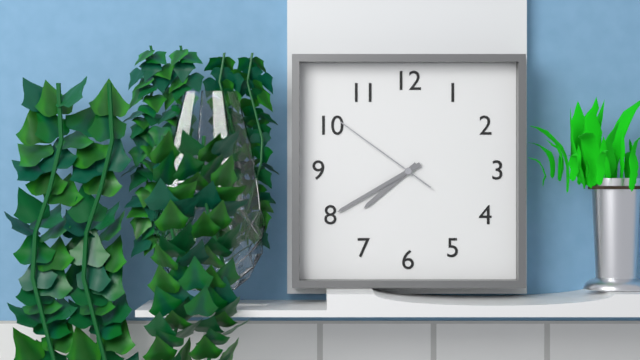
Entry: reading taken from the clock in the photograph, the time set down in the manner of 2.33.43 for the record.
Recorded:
7.40.51
